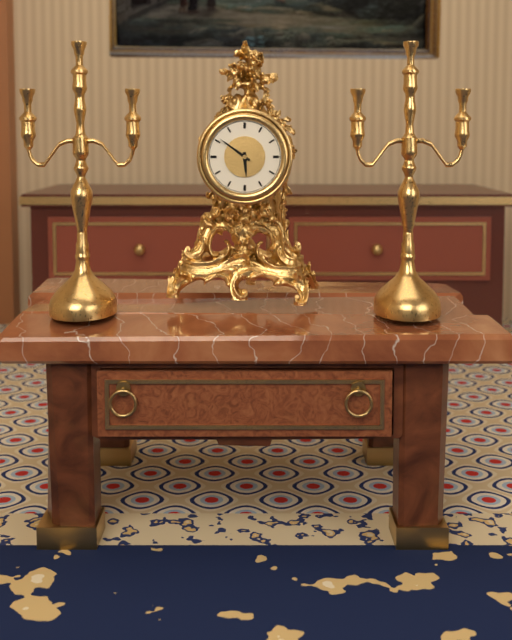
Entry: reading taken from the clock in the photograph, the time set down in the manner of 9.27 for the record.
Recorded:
5.51
